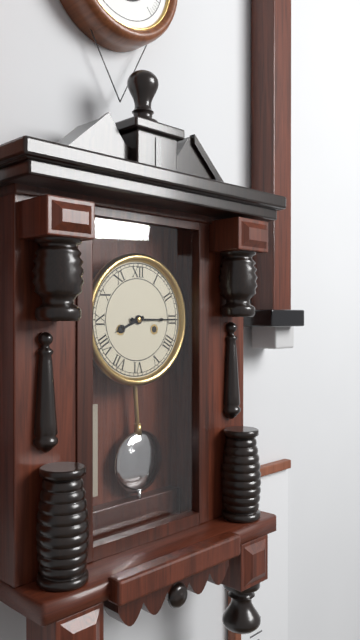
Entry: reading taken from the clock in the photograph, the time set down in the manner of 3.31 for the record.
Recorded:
8.15
